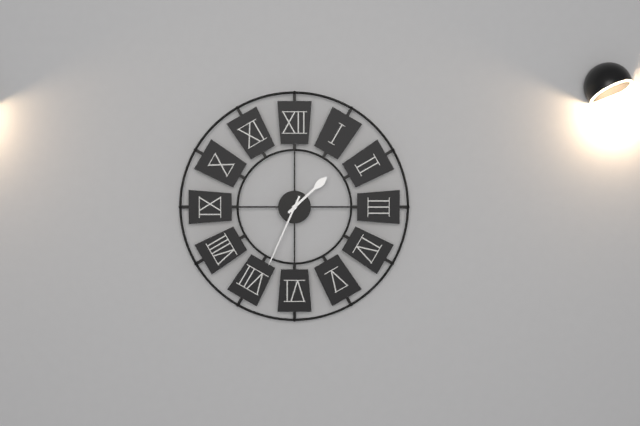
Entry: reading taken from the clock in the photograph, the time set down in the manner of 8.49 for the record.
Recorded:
1.34
